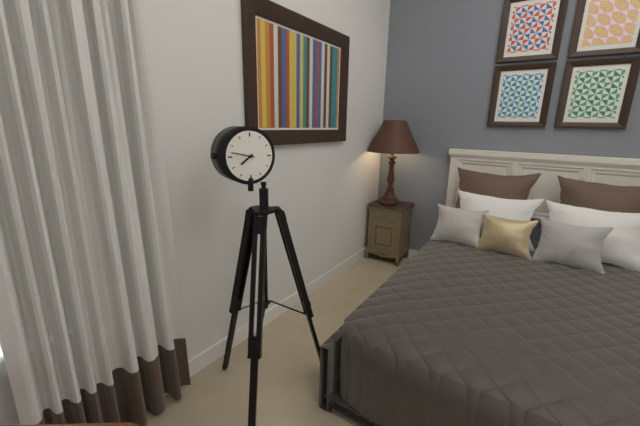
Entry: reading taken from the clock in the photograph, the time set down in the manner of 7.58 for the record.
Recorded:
7.47
